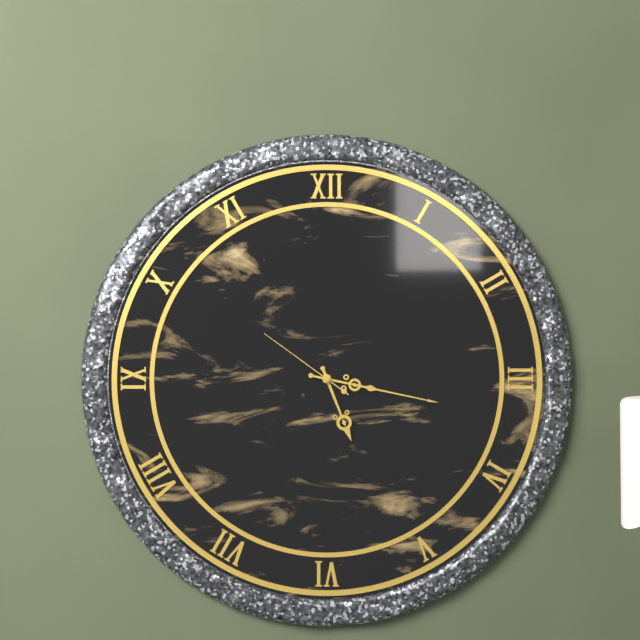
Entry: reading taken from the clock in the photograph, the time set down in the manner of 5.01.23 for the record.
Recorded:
5.17.51
